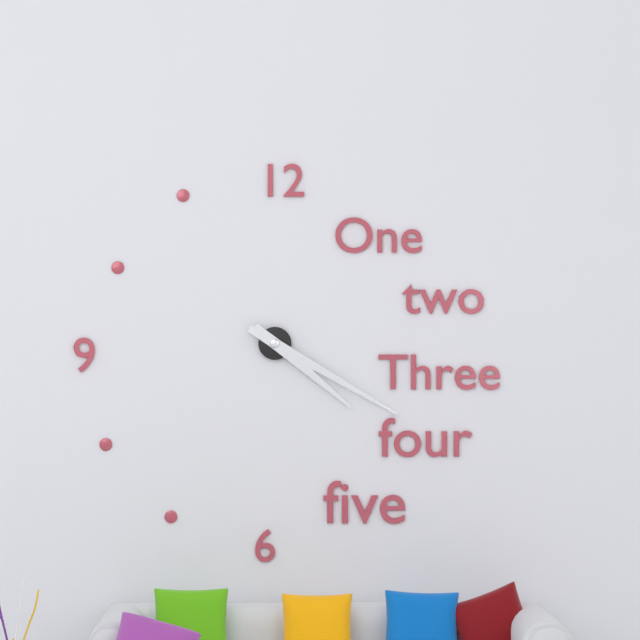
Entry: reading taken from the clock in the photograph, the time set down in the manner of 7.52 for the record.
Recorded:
4.20
